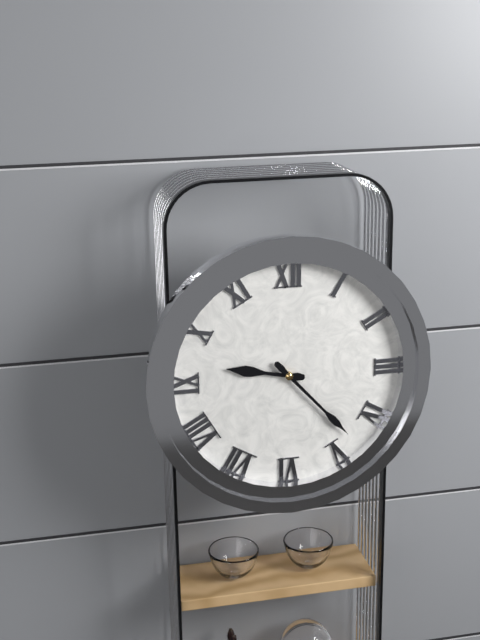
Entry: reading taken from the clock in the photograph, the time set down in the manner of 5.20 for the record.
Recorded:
9.23
